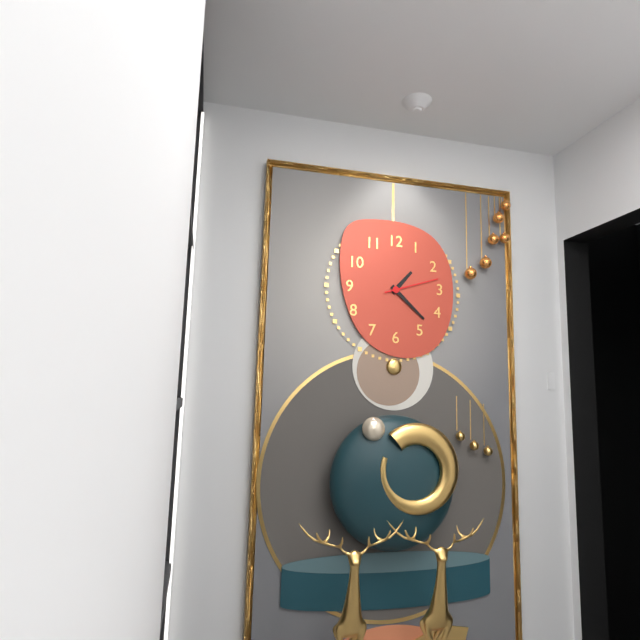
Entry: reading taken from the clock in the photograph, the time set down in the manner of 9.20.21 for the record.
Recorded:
1.22.12
